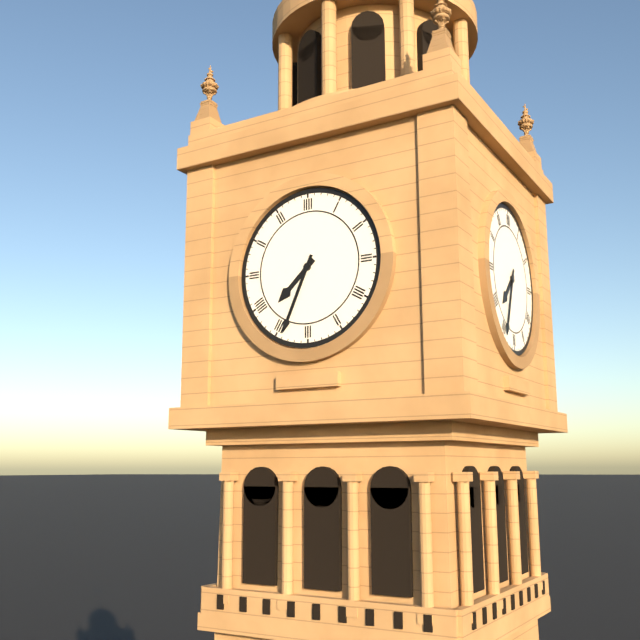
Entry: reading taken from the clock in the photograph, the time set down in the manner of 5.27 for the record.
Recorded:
7.34
